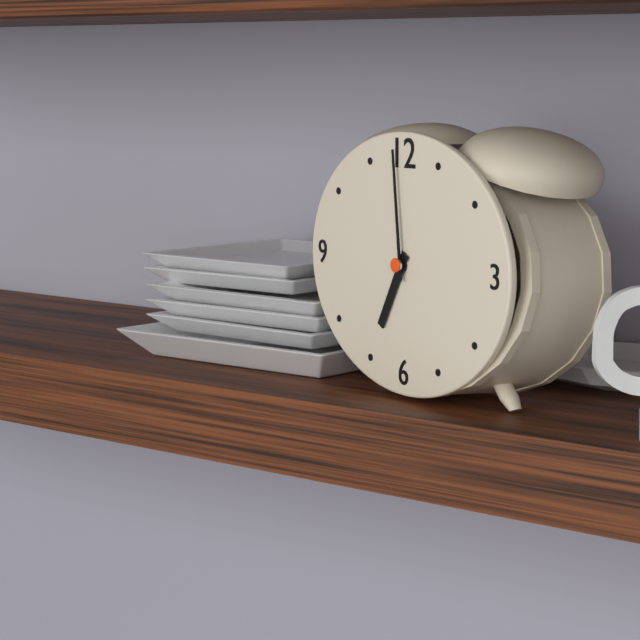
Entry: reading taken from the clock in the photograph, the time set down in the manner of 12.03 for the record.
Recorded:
6.59
